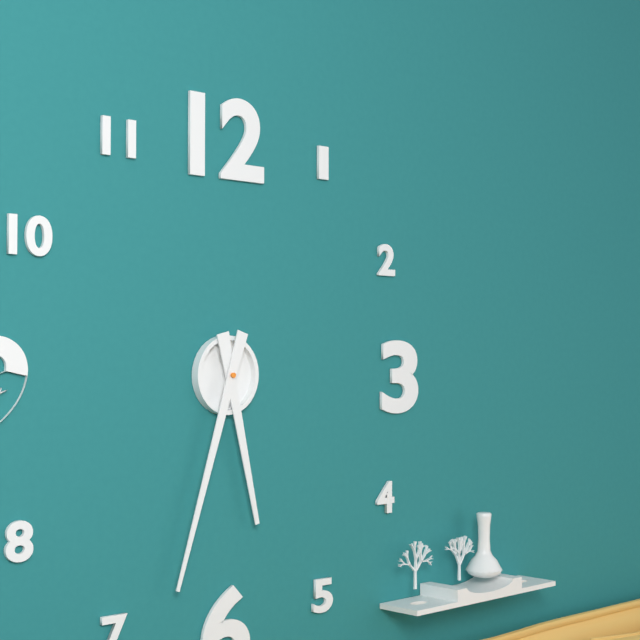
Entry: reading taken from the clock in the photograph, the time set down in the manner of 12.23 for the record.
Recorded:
5.33
